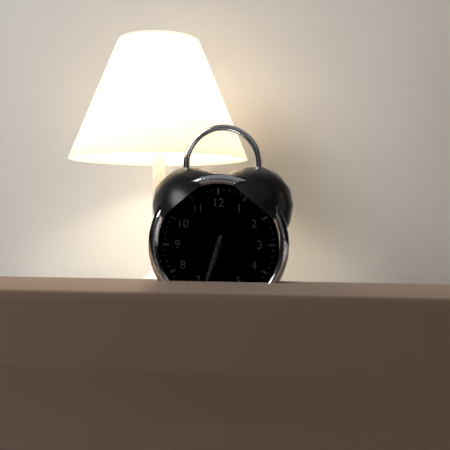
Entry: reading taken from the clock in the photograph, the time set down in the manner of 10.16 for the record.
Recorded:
6.33
